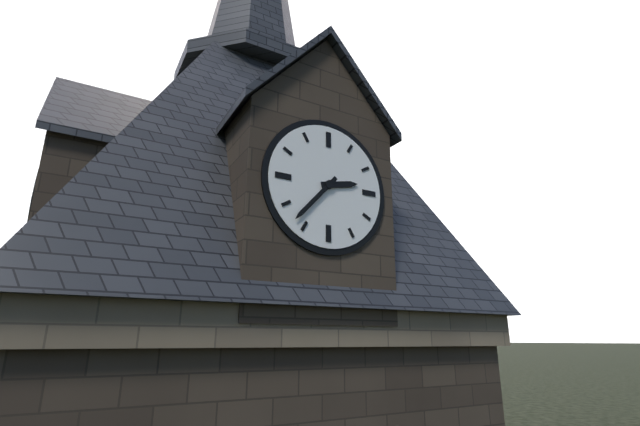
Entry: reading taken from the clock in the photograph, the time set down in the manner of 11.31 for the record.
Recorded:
2.37
